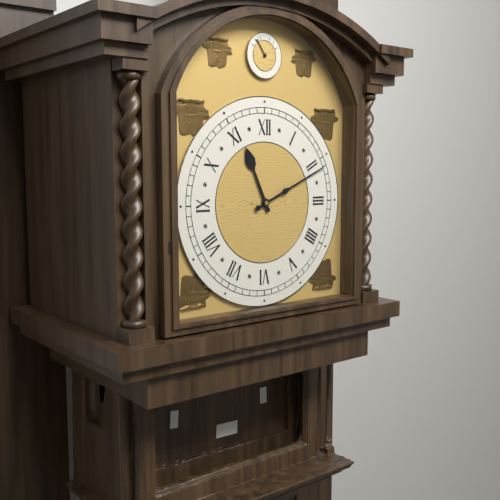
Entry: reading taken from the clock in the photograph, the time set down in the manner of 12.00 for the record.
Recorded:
11.11
